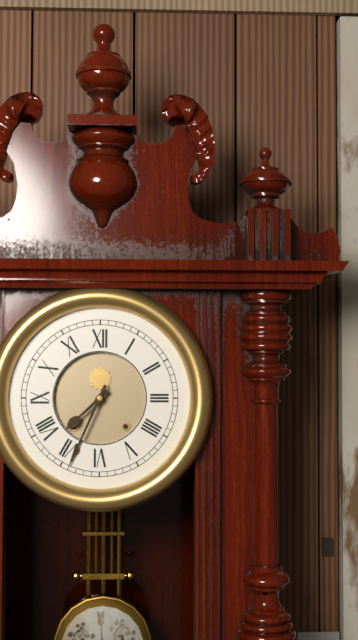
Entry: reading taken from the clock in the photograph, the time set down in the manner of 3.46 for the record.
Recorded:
7.34
